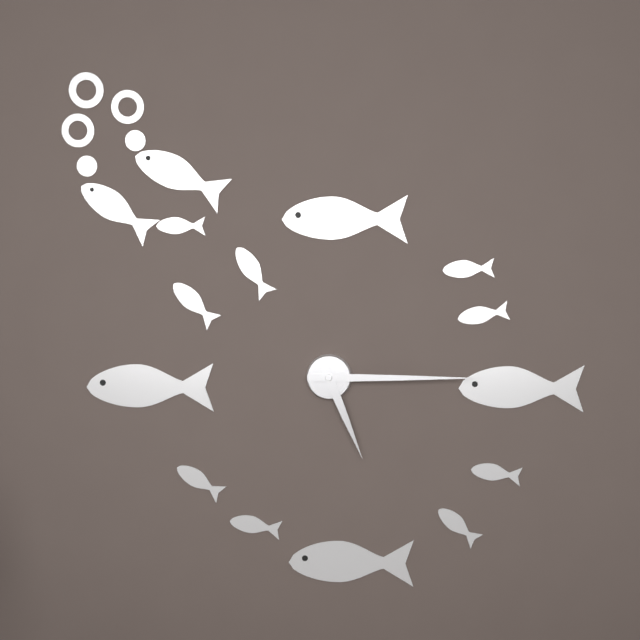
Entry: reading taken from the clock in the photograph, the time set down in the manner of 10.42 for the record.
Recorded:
5.15
